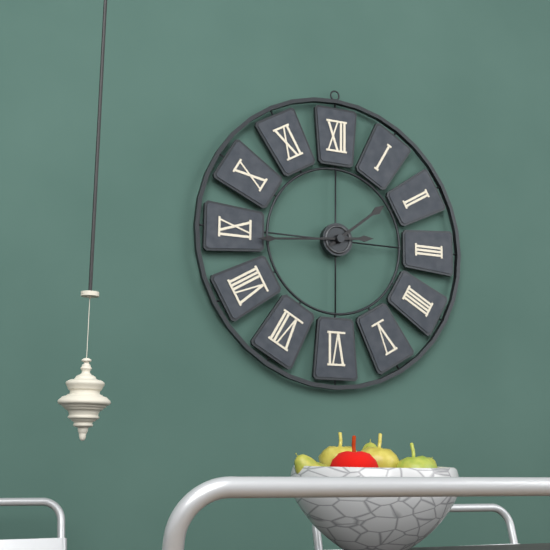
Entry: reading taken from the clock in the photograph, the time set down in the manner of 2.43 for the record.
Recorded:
1.44
